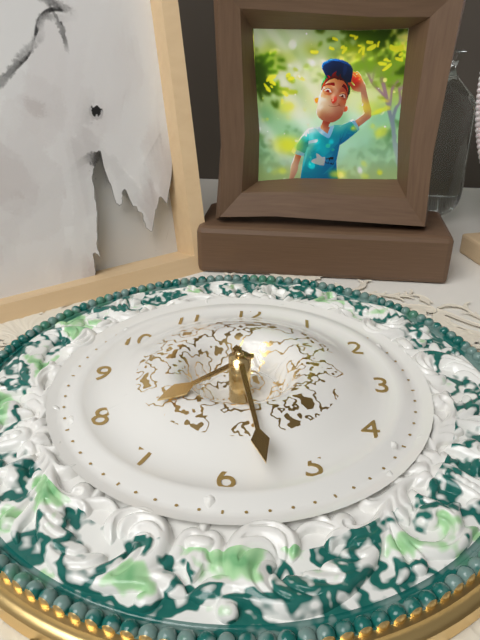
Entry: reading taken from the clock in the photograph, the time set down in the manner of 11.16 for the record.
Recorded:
7.28
